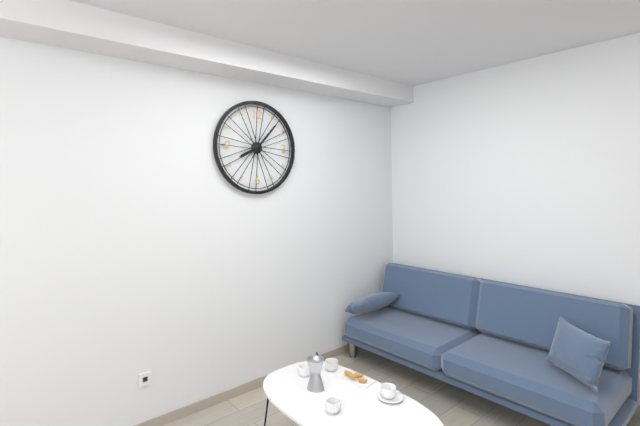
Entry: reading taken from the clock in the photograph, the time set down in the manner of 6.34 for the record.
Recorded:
8.07
